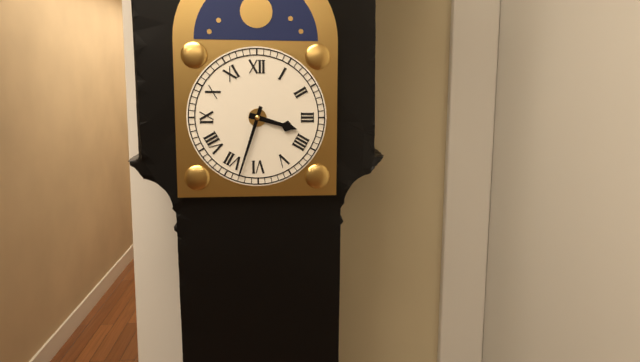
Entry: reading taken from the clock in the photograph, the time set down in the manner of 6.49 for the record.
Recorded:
3.33
